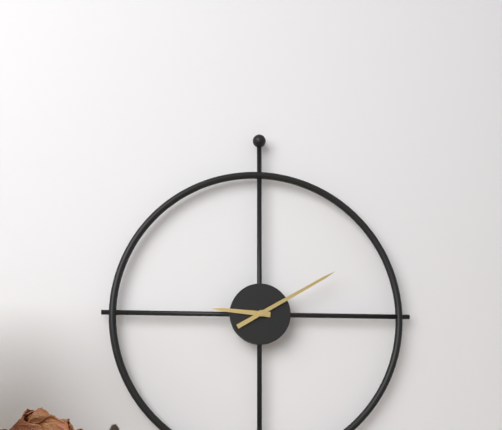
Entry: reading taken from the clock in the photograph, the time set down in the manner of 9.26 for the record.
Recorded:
9.10
